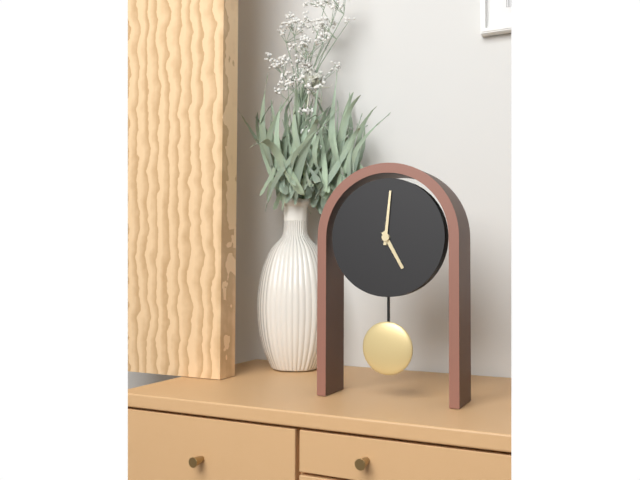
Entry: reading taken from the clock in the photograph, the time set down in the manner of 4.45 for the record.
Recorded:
5.01
